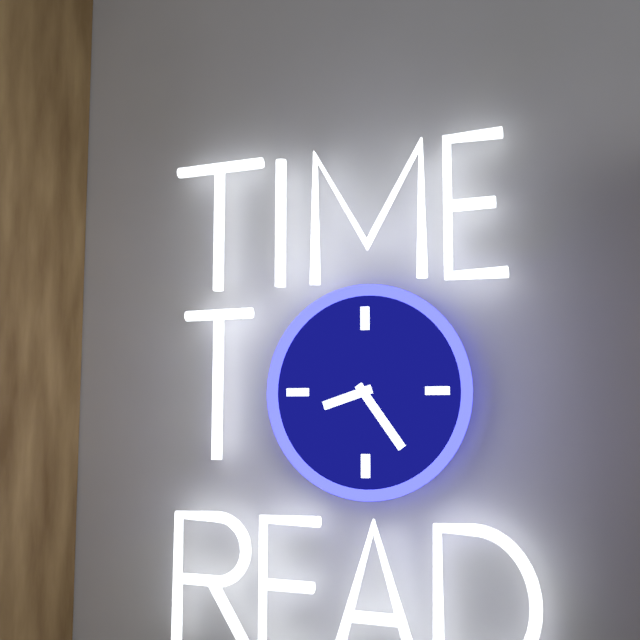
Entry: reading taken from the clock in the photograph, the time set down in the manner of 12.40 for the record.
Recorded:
8.24
